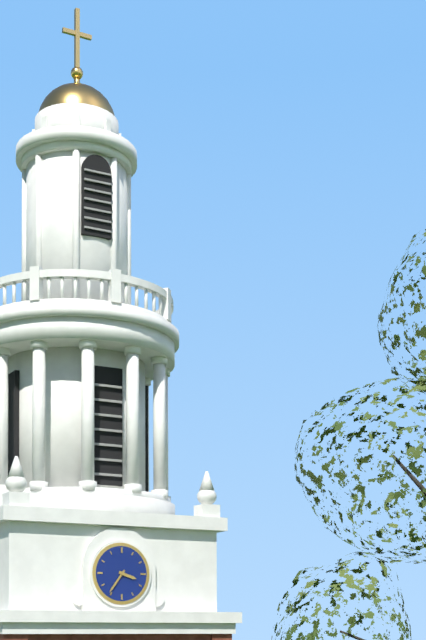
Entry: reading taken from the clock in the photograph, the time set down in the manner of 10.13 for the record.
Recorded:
3.36
